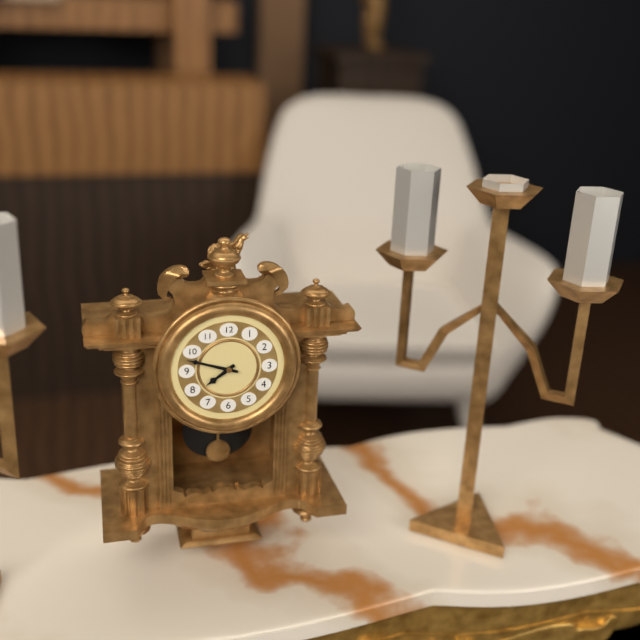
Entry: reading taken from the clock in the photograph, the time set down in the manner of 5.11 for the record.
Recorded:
7.48
